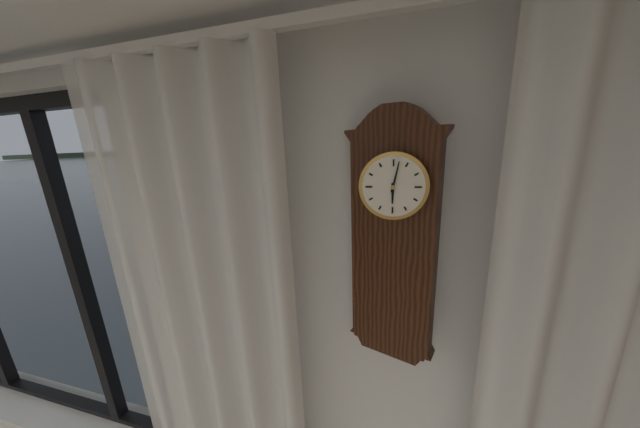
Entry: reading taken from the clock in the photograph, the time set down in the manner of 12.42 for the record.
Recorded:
6.02
